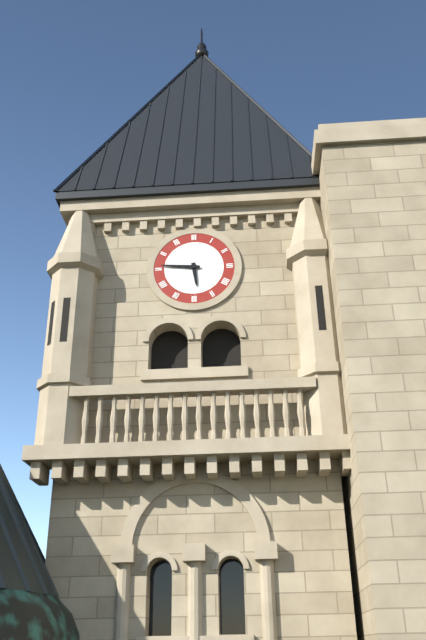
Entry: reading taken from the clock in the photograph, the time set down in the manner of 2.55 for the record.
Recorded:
5.46
